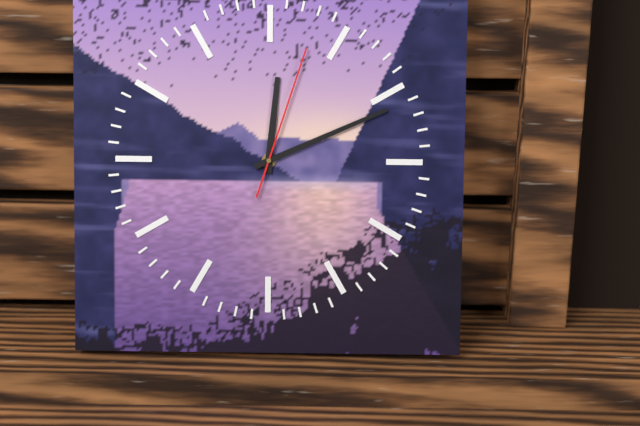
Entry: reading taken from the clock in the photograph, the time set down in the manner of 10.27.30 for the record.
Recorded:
12.11.03
